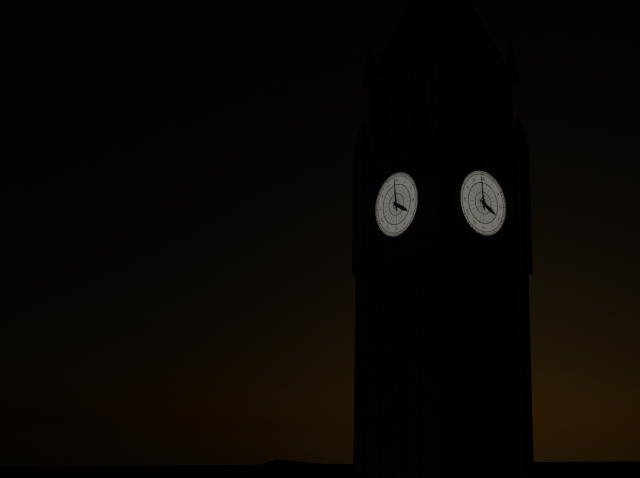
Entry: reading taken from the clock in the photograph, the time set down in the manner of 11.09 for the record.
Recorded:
3.59
